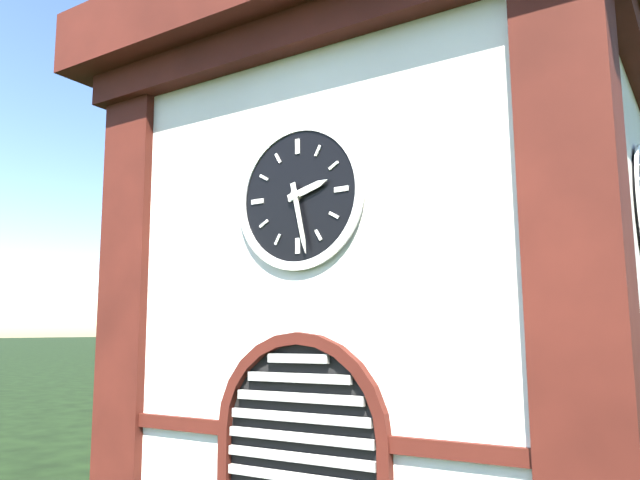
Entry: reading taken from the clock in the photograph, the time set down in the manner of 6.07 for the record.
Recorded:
2.28
